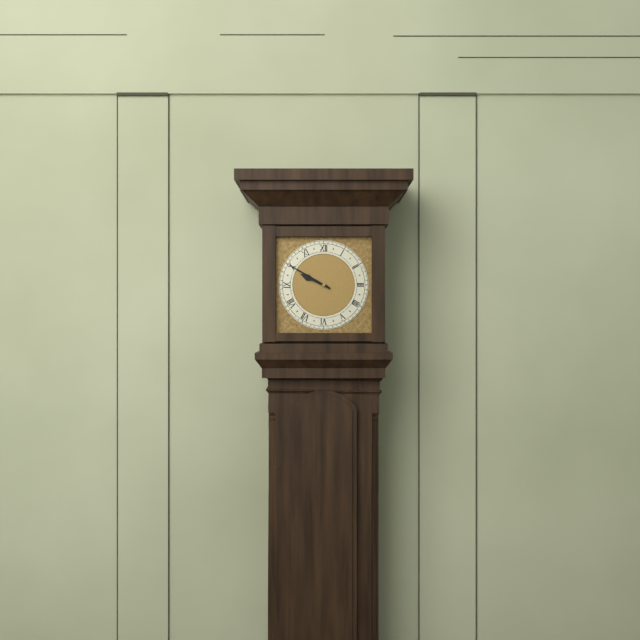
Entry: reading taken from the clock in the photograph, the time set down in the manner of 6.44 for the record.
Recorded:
9.50
